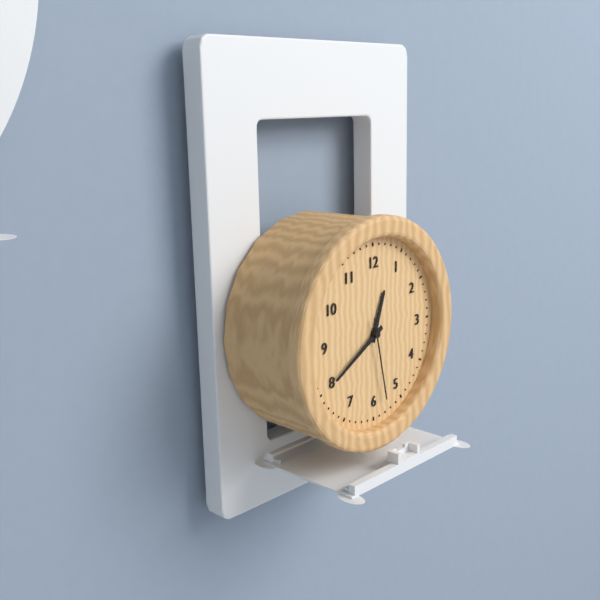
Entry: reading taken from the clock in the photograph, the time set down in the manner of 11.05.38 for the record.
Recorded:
12.40.28
